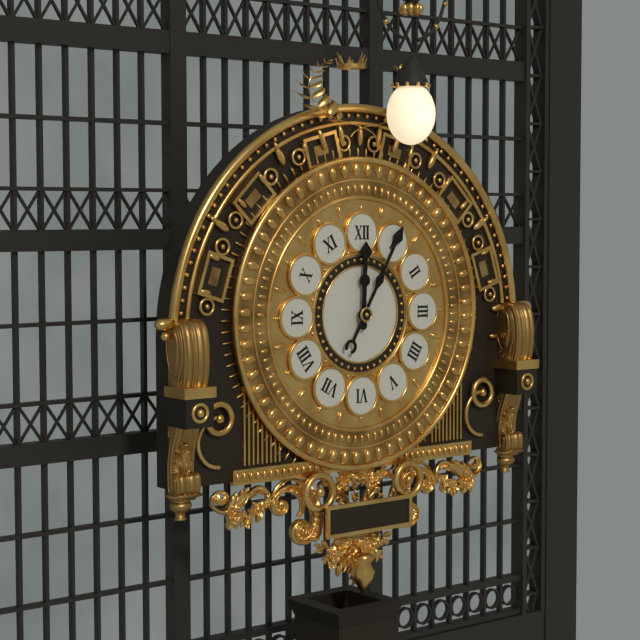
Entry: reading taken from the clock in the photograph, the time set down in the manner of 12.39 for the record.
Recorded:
12.05
